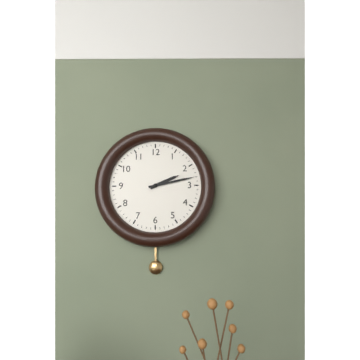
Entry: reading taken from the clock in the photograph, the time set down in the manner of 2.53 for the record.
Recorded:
2.13
